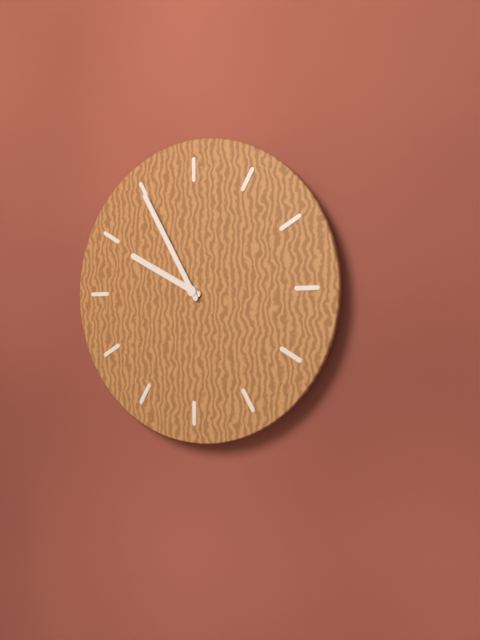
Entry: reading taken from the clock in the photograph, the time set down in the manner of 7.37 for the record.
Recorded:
9.55
